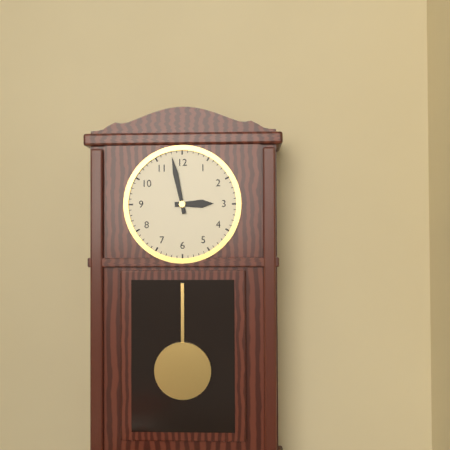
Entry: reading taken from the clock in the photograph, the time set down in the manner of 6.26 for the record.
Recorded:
2.58
